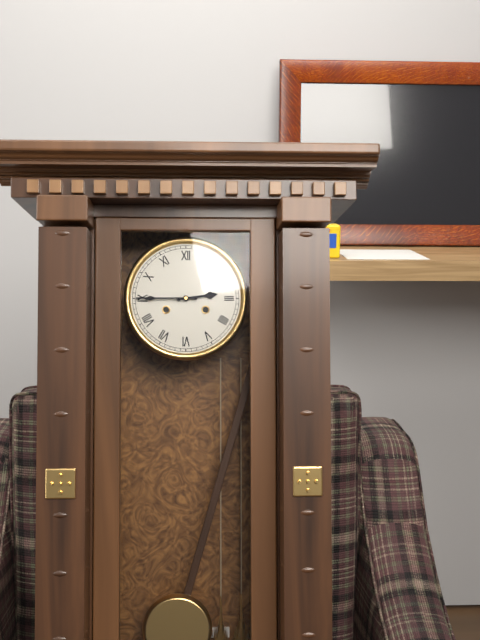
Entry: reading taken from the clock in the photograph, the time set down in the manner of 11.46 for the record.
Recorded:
2.45
